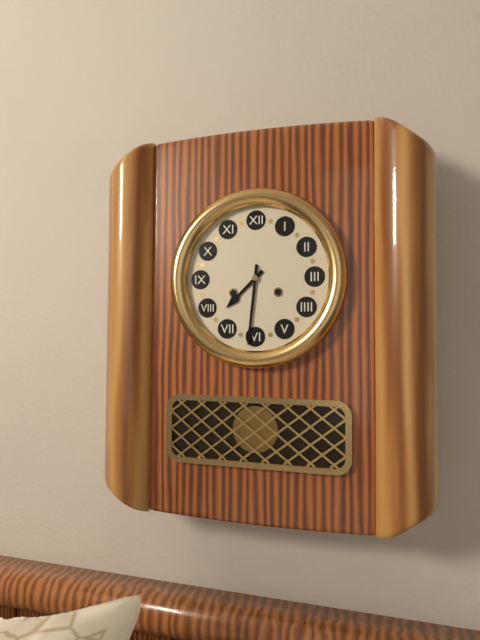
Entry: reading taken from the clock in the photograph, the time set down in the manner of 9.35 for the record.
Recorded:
7.31
